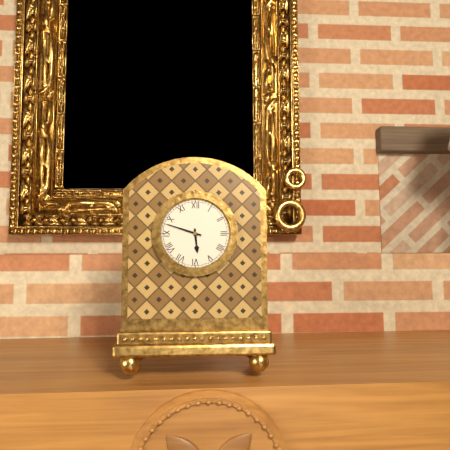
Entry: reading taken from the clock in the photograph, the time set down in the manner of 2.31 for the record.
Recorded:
5.48
